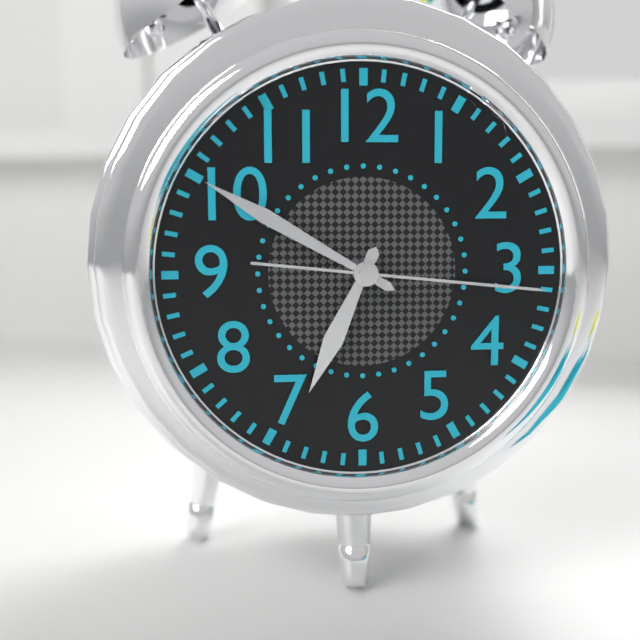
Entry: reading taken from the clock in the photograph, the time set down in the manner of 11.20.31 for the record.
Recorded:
6.50.16
